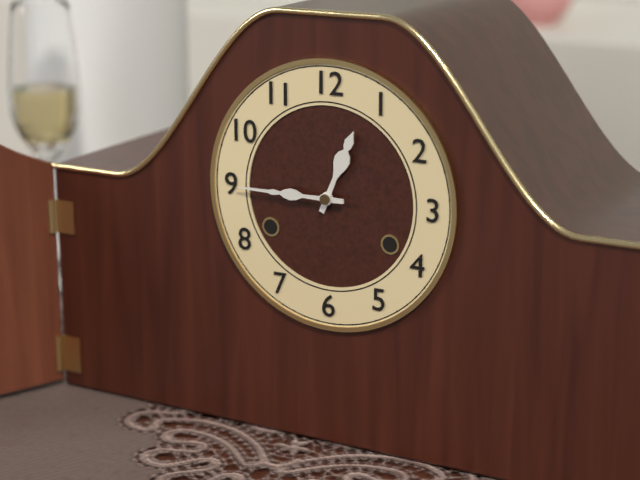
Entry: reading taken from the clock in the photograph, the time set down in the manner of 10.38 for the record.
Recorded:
12.45
